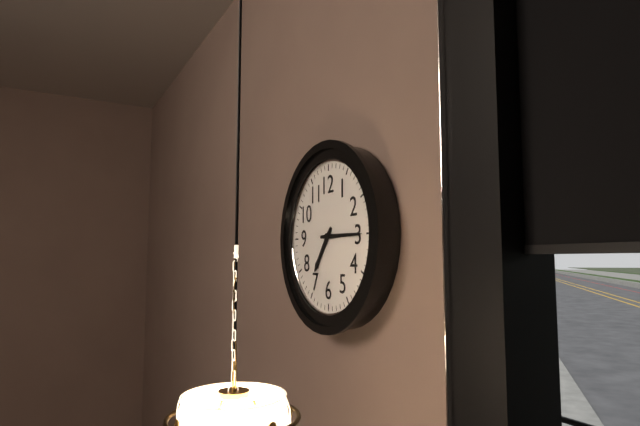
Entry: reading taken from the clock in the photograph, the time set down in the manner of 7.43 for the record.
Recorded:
7.15
